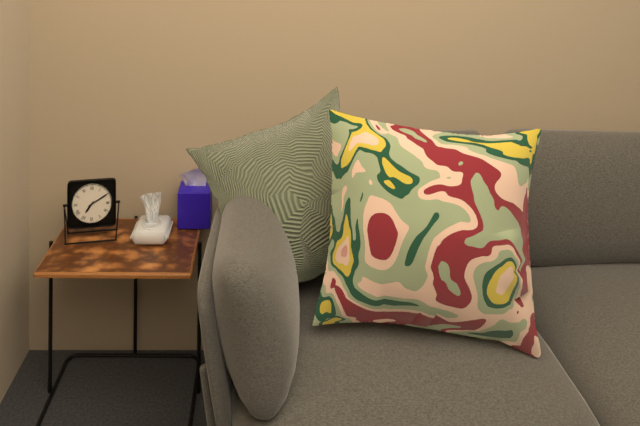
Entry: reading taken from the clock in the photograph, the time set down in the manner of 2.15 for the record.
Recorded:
7.10
